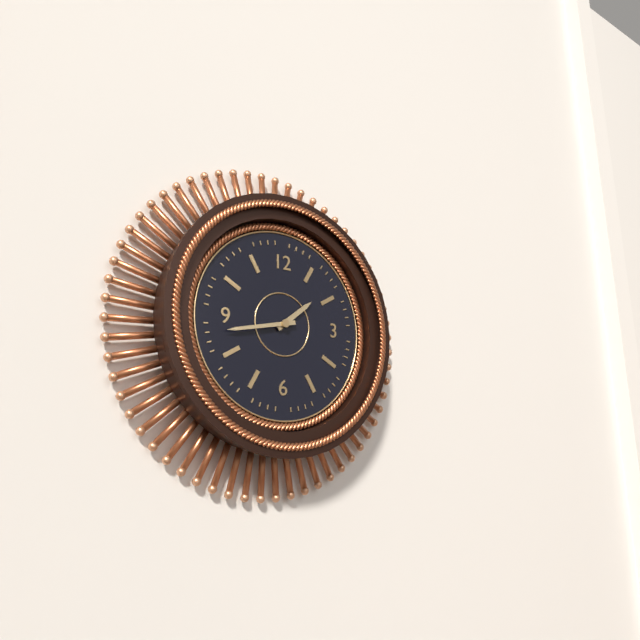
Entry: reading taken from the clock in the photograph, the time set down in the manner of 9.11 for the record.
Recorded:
1.43
